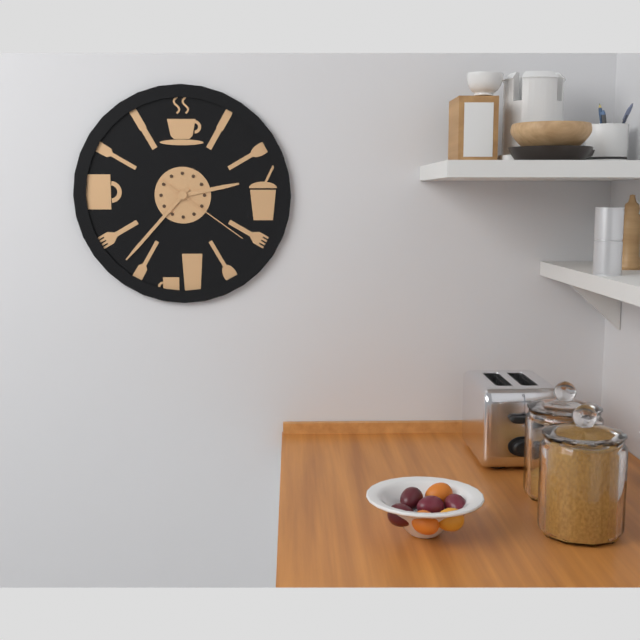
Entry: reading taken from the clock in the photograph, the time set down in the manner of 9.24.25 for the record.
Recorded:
2.37.21
